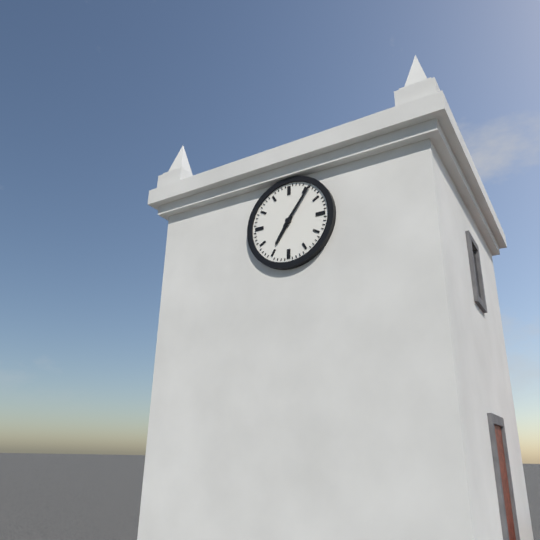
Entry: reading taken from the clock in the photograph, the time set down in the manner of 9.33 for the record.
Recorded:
7.06
